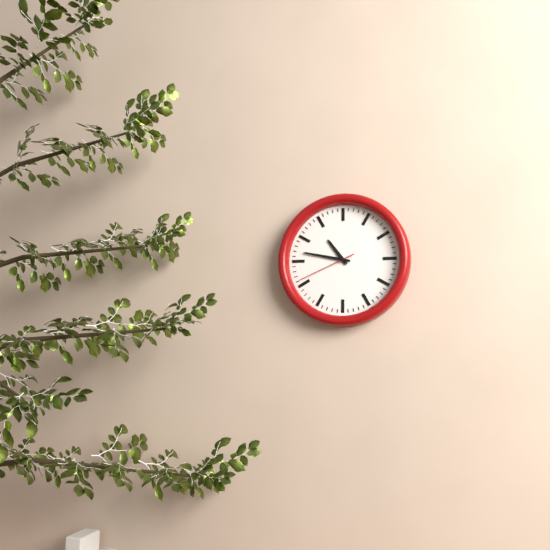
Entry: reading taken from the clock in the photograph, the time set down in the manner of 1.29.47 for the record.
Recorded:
10.47.41
